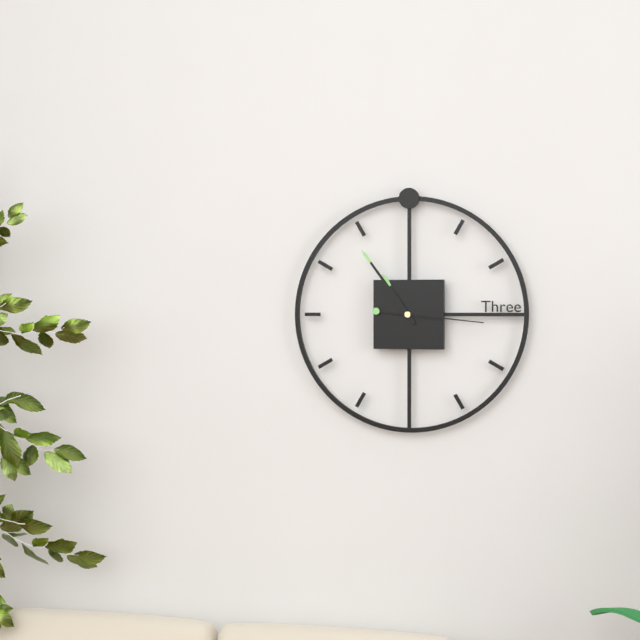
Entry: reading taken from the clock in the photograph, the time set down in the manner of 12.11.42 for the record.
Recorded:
10.54.16
